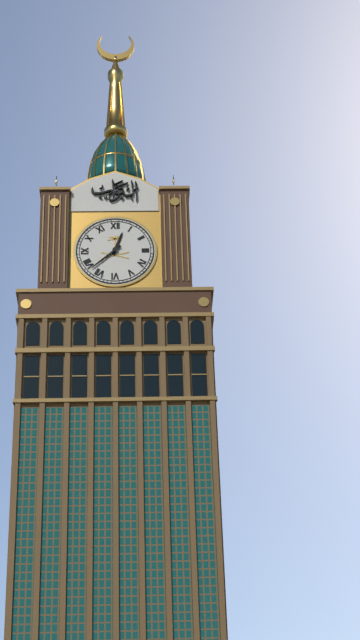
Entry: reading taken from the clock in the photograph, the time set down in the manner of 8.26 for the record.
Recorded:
12.38
